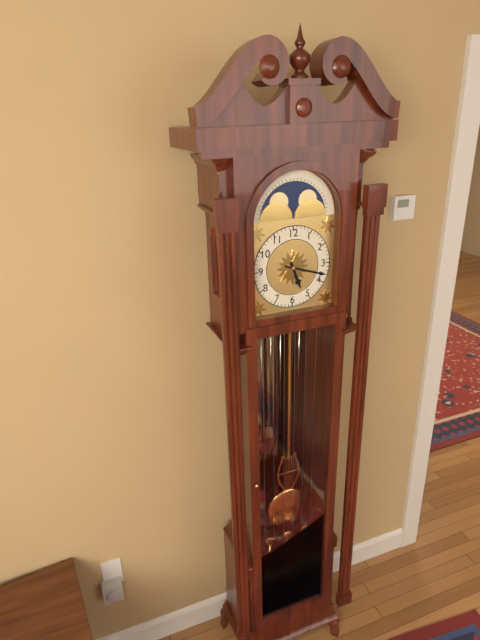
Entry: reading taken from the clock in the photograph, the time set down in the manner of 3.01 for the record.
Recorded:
5.18
